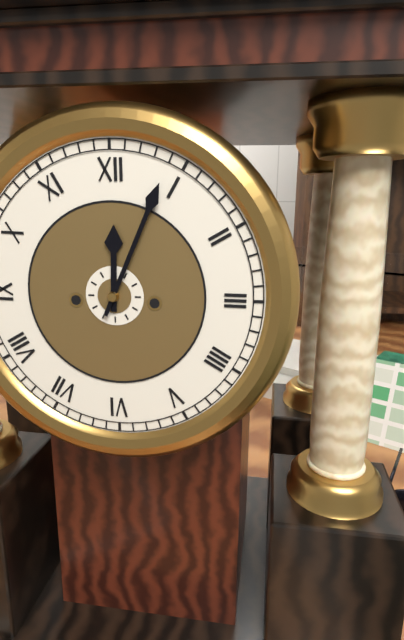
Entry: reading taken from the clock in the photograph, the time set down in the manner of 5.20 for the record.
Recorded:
12.04
